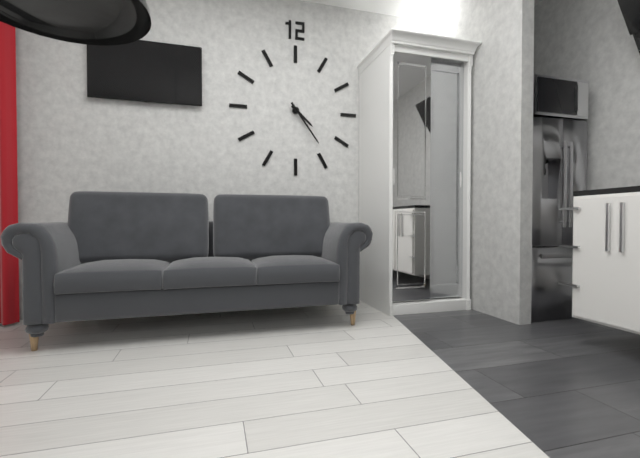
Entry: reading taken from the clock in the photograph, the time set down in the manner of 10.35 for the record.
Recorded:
4.24
